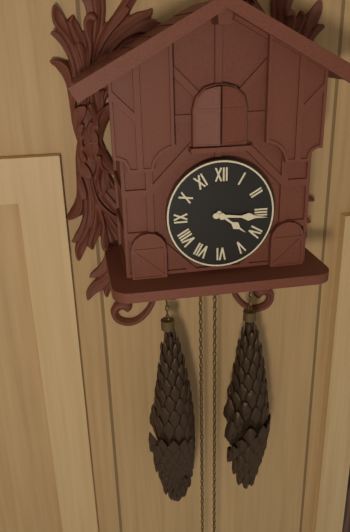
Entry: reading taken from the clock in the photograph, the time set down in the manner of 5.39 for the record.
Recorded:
4.16
